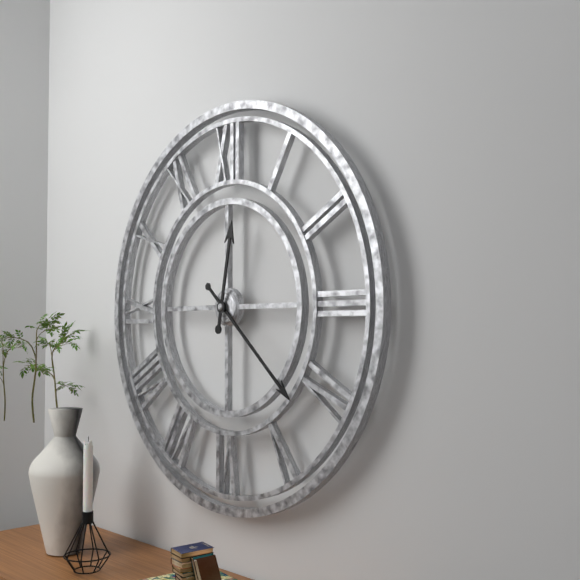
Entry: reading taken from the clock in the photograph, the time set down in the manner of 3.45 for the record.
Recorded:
12.22
